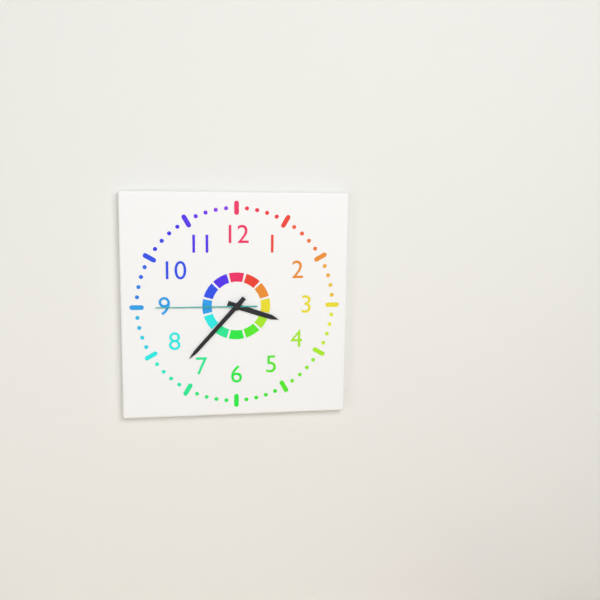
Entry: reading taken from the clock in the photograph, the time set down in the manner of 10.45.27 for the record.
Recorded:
3.37.45
